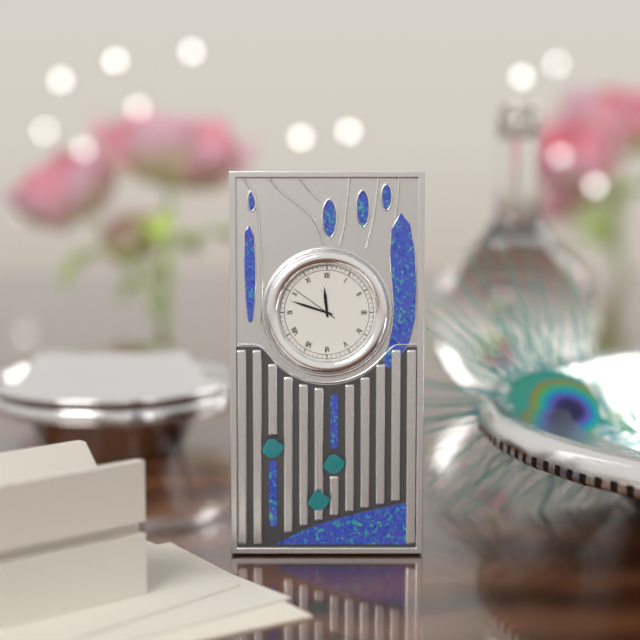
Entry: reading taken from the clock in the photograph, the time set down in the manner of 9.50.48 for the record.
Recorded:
11.48.51
